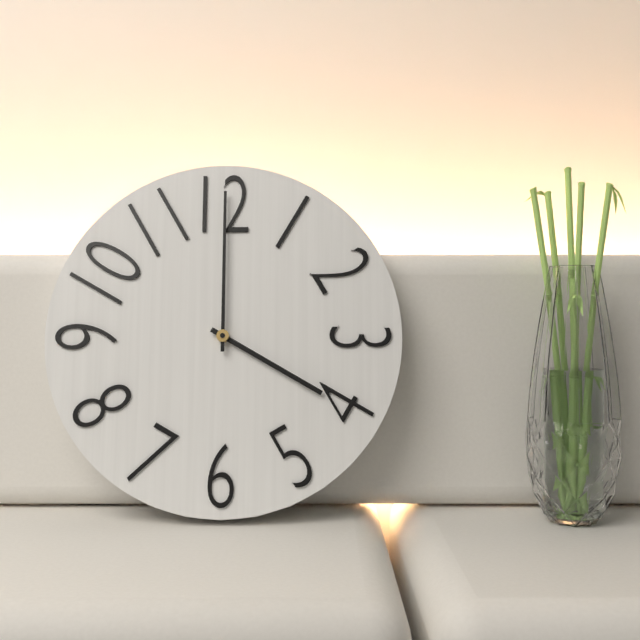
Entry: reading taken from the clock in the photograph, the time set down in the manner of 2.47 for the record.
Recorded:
4.00
